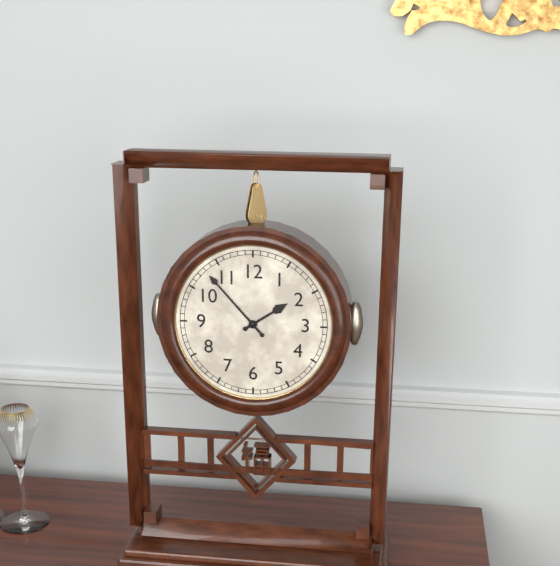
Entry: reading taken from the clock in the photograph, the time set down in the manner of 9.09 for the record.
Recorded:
1.53
